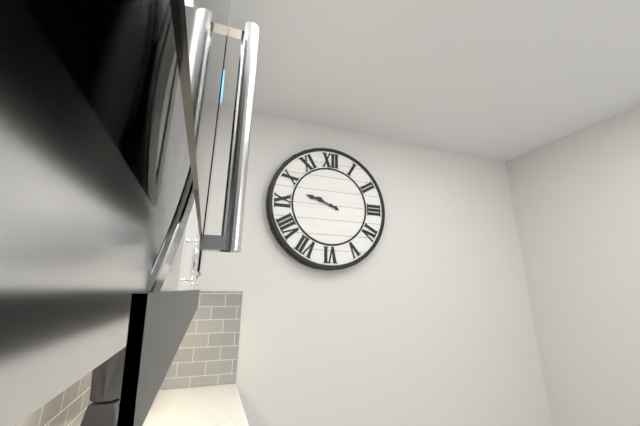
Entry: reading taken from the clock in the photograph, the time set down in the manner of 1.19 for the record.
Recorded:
9.48
